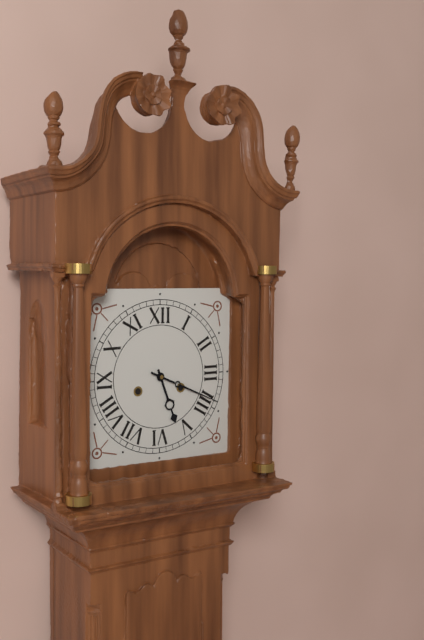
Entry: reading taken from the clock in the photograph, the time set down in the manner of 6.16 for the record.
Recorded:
5.19
